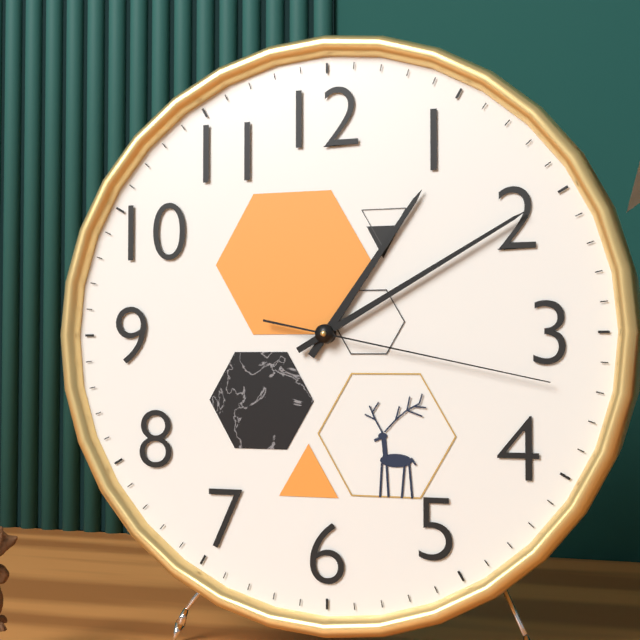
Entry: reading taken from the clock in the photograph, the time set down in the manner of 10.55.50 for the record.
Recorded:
1.10.17
